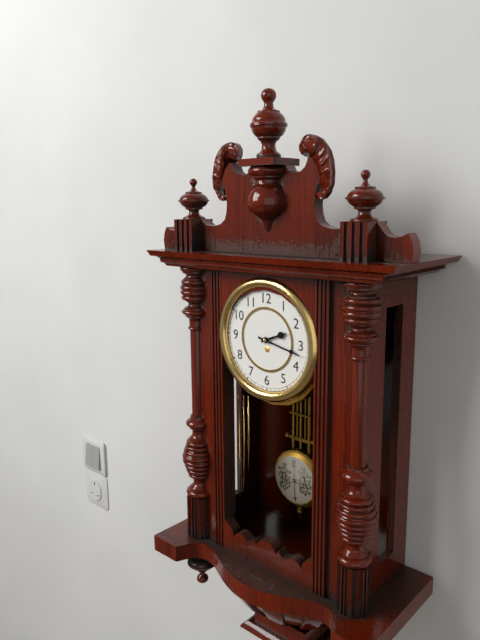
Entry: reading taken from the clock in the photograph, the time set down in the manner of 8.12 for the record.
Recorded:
2.17
